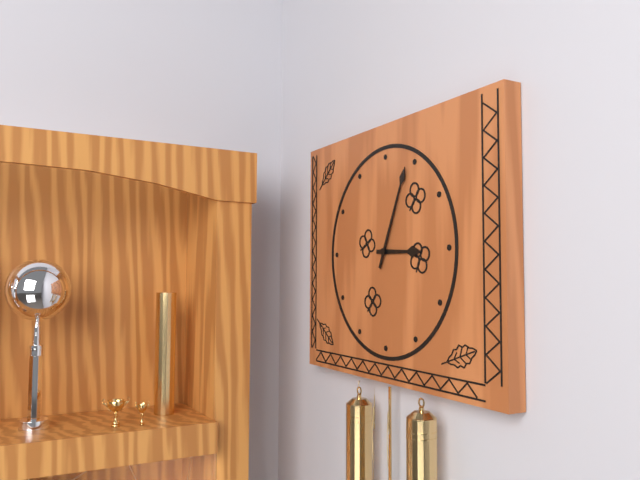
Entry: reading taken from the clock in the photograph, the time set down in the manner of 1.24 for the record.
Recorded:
3.04
